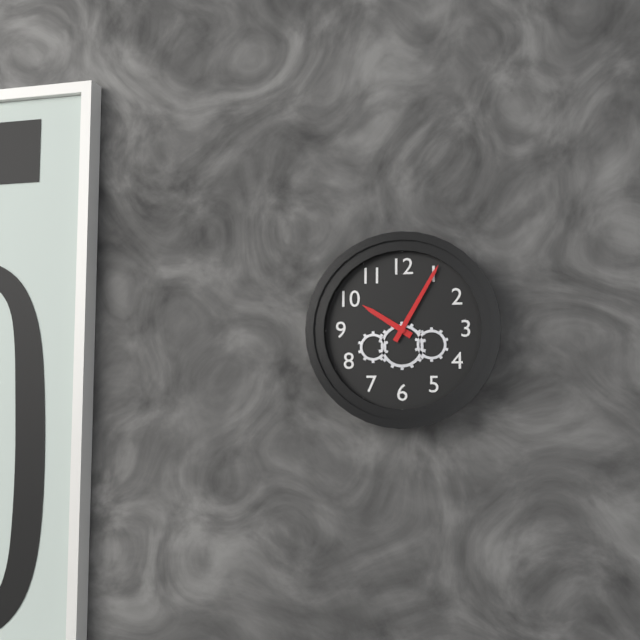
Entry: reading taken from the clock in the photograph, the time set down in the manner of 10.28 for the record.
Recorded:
10.05
